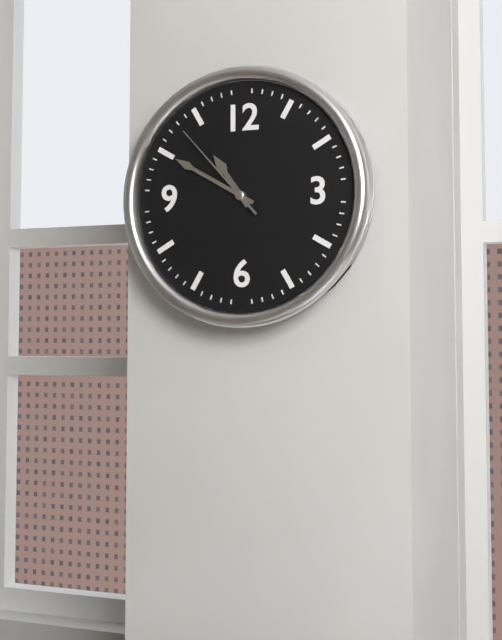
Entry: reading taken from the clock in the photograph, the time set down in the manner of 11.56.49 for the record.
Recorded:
10.50.53
